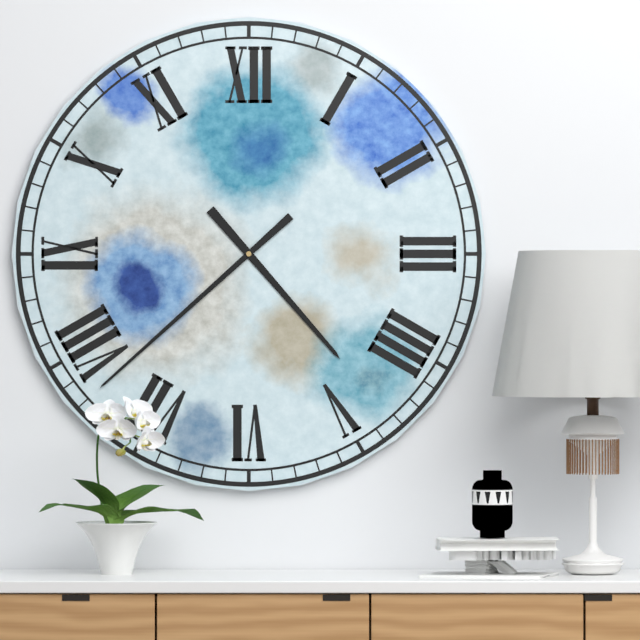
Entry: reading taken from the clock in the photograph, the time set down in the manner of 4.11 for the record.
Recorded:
4.38
